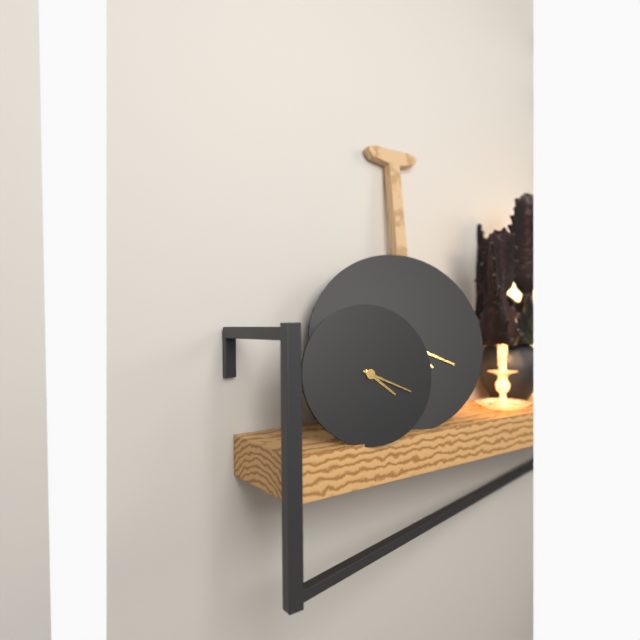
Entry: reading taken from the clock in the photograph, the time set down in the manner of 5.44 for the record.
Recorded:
4.19
